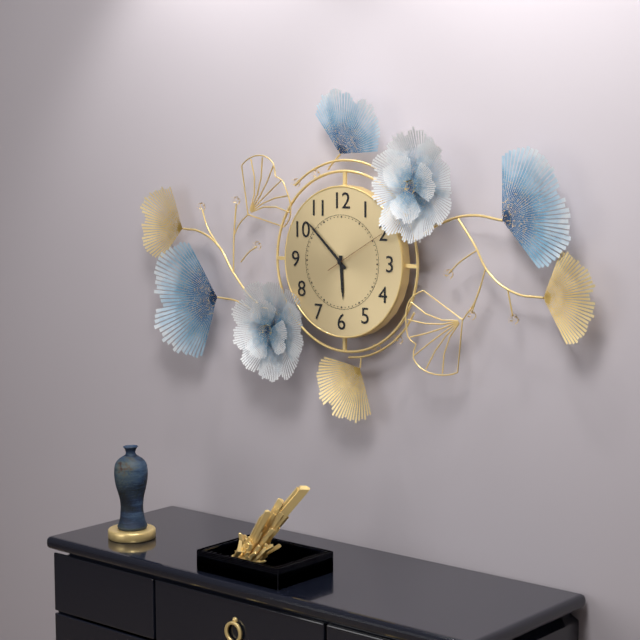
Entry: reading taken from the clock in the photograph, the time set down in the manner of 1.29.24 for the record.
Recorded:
5.52.10
